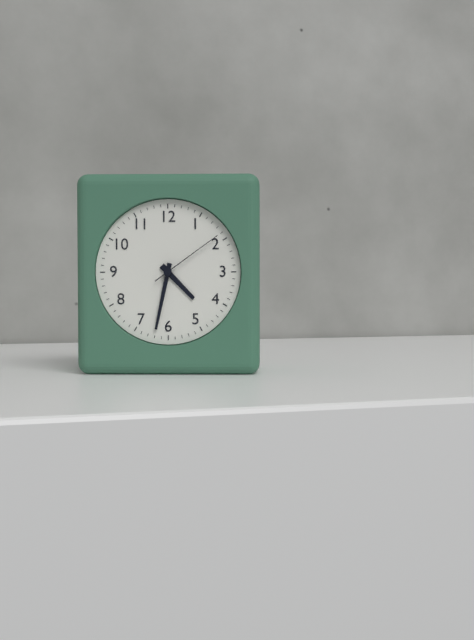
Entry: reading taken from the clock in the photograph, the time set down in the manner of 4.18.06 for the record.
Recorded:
4.32.09
